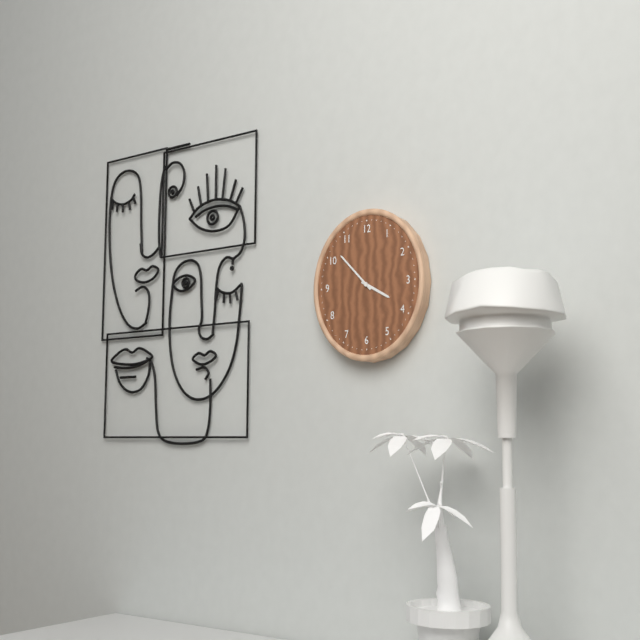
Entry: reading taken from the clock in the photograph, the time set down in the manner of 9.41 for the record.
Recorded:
3.52
